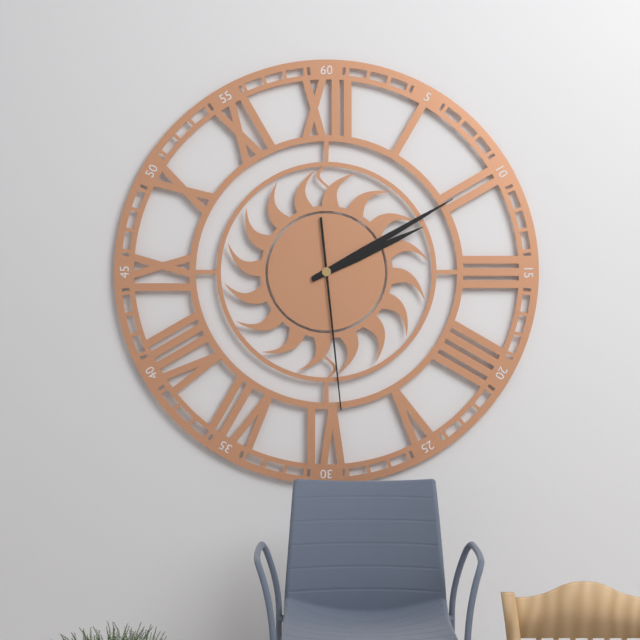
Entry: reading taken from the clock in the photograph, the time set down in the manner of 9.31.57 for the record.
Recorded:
2.10.29
